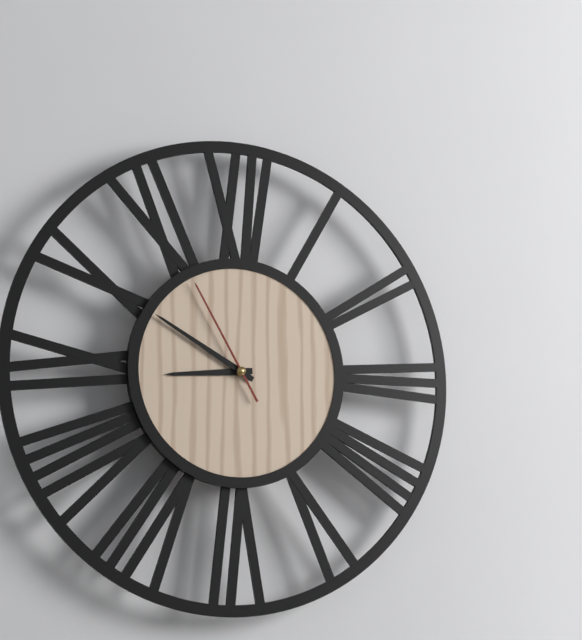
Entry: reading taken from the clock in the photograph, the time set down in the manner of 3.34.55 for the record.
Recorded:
8.50.55
